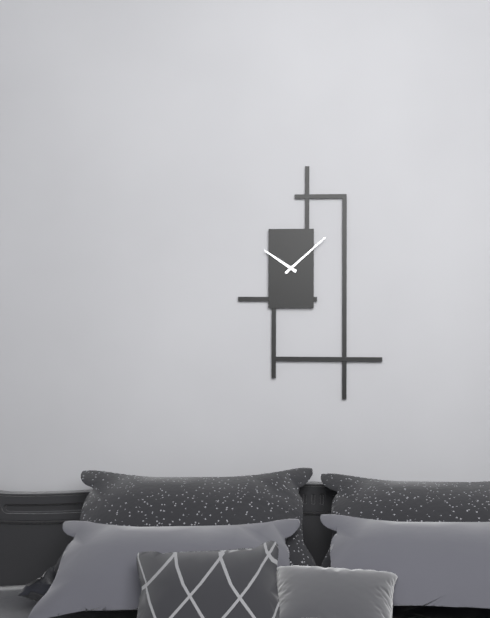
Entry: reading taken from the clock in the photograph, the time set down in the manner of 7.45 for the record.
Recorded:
10.08
